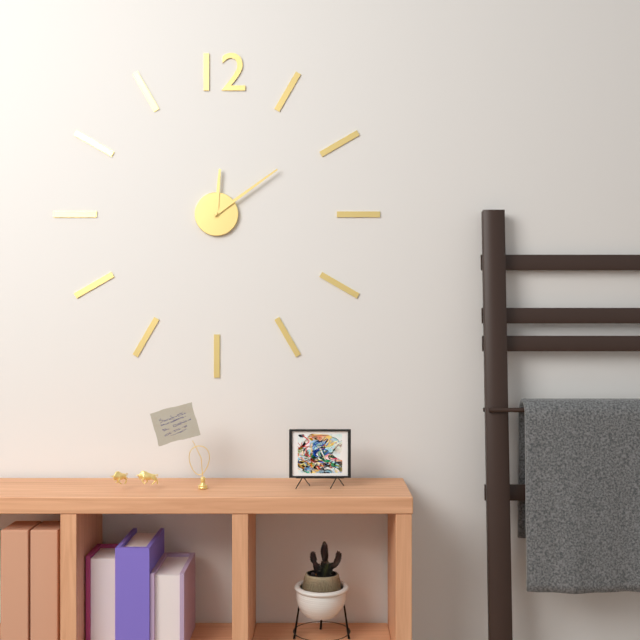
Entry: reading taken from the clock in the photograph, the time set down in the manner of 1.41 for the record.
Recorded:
12.09
